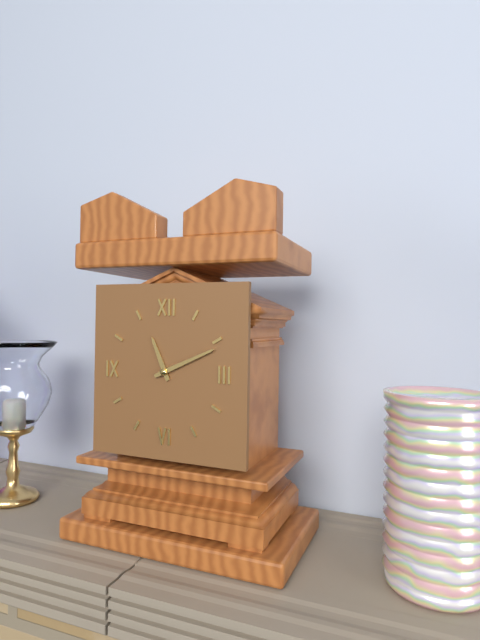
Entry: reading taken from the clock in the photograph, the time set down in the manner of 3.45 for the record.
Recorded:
11.11
